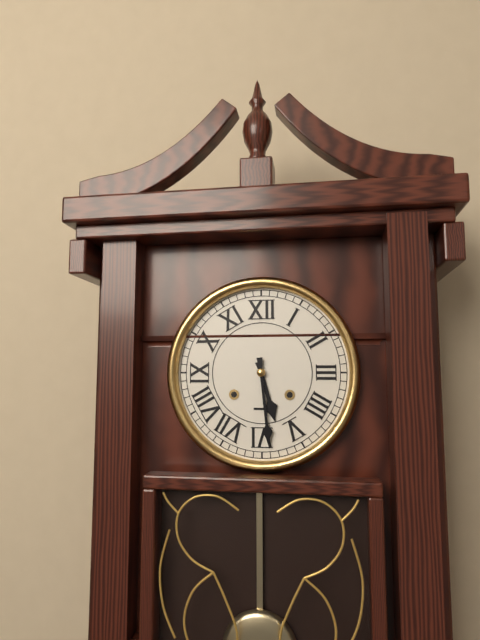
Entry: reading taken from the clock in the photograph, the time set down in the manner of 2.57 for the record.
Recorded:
5.29
